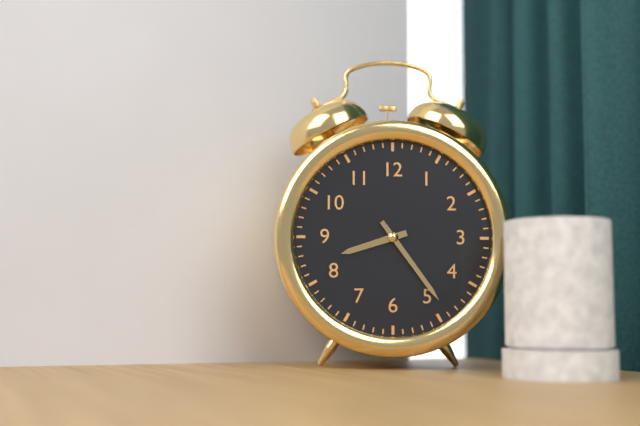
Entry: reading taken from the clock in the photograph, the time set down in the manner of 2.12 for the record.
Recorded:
8.24
